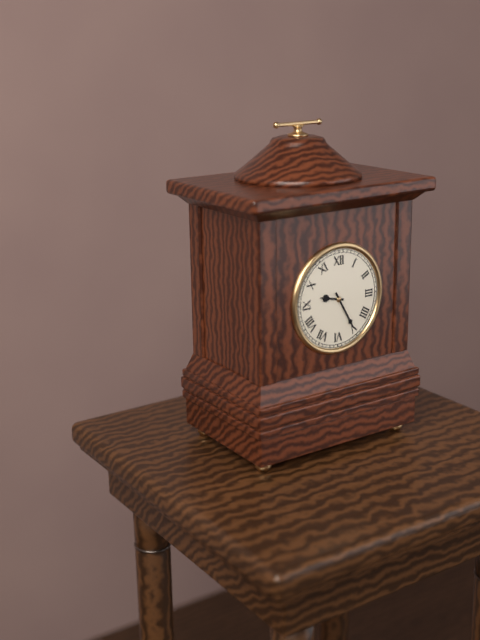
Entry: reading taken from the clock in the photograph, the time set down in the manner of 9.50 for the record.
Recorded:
9.25
